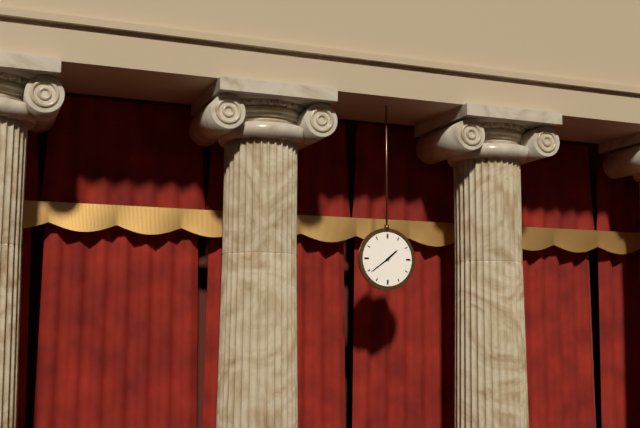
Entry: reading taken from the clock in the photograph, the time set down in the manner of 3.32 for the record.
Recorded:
1.39
